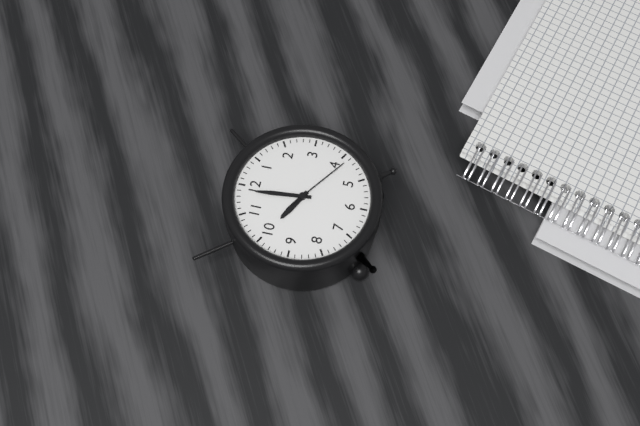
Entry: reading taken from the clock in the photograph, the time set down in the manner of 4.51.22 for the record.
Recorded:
9.59.21
